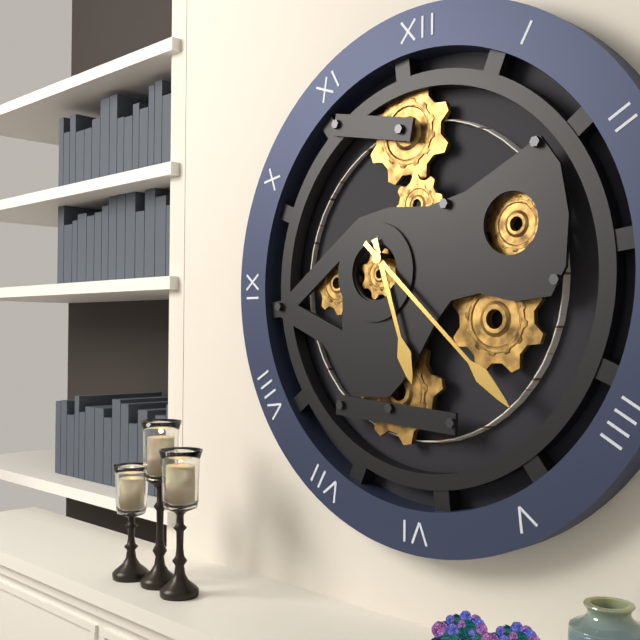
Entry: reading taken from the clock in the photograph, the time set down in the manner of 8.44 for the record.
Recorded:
5.22
